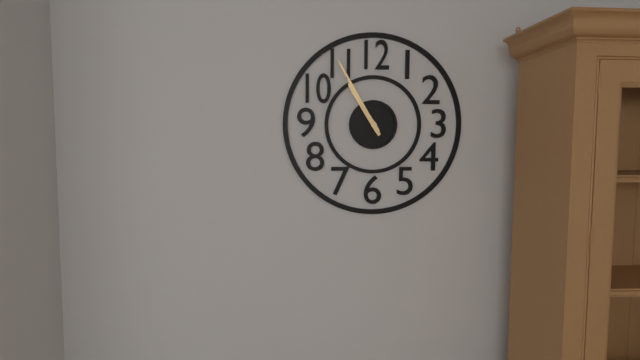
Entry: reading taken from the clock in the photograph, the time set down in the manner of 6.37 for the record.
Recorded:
10.55
